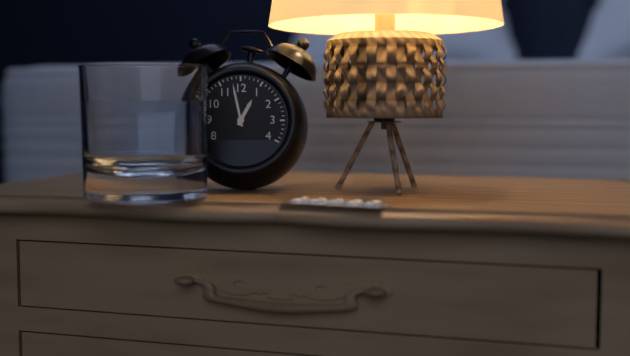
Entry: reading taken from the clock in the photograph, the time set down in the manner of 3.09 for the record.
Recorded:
12.58
